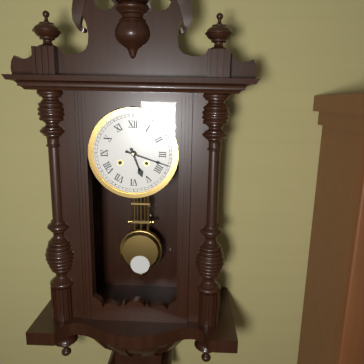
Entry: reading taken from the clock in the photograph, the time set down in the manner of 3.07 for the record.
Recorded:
5.18
